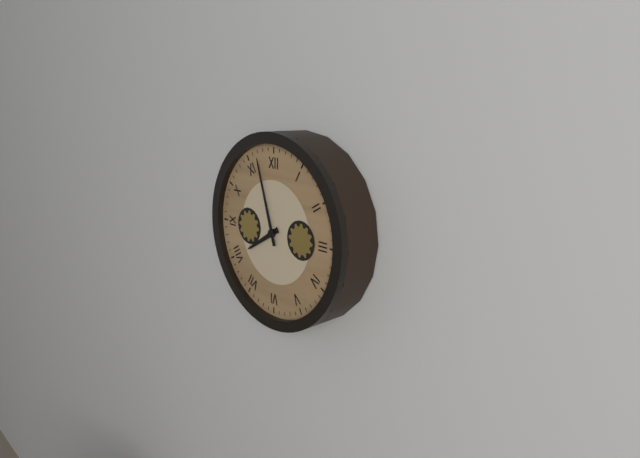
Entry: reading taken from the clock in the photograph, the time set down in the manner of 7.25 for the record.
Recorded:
7.57
